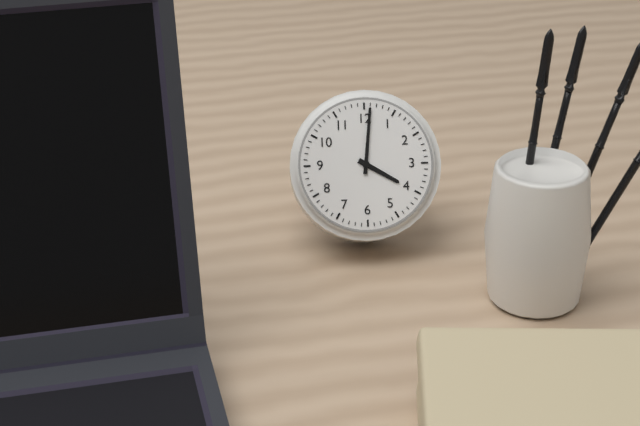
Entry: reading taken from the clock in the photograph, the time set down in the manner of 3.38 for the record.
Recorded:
4.01
